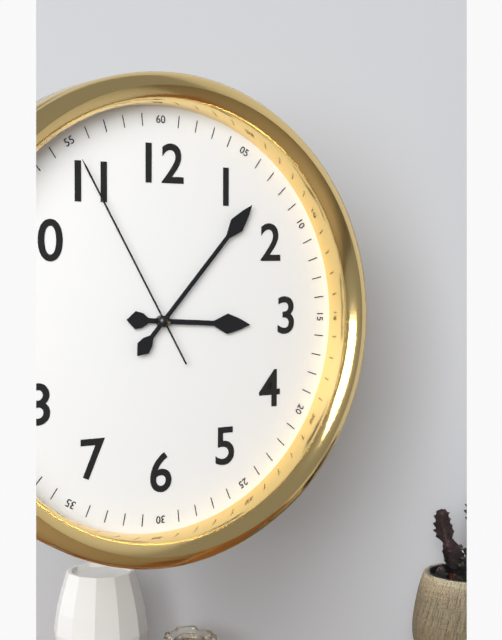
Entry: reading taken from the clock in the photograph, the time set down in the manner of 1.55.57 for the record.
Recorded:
3.07.55
